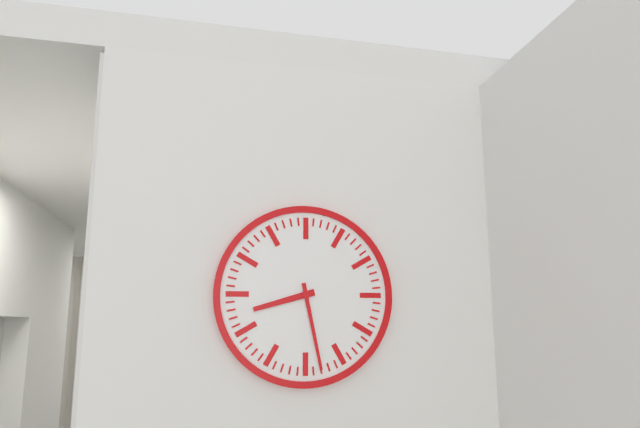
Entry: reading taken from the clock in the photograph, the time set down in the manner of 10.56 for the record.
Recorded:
8.28
